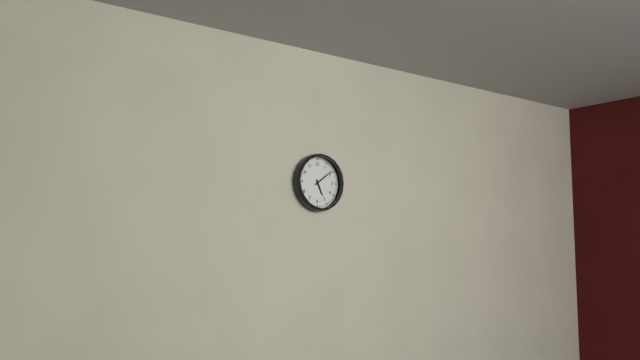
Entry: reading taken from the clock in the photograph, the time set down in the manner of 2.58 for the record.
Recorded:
5.09
